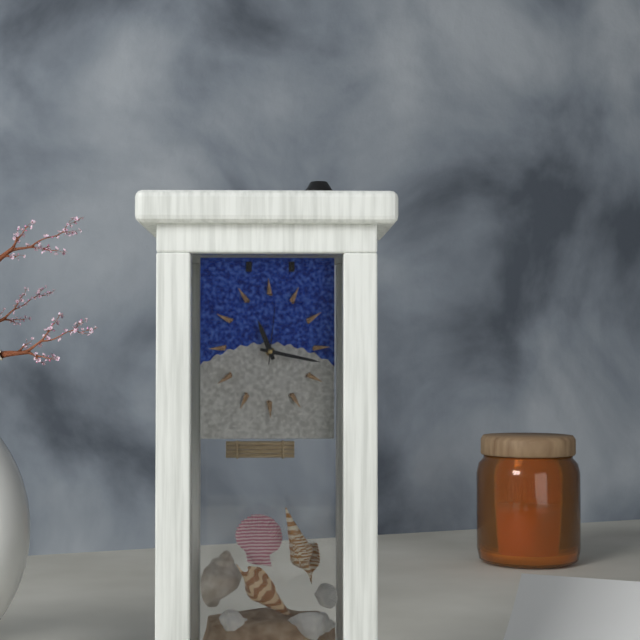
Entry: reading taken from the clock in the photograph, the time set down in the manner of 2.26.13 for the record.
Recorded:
11.17.01
